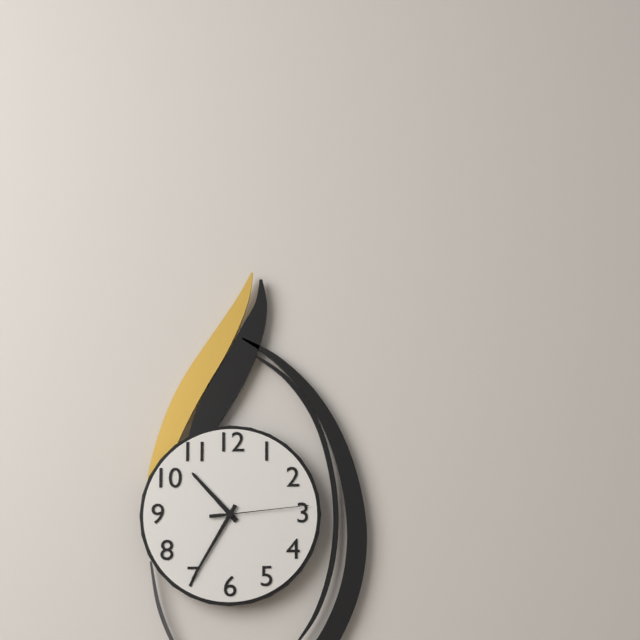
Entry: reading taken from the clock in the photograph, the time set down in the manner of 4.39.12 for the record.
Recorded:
10.35.14
